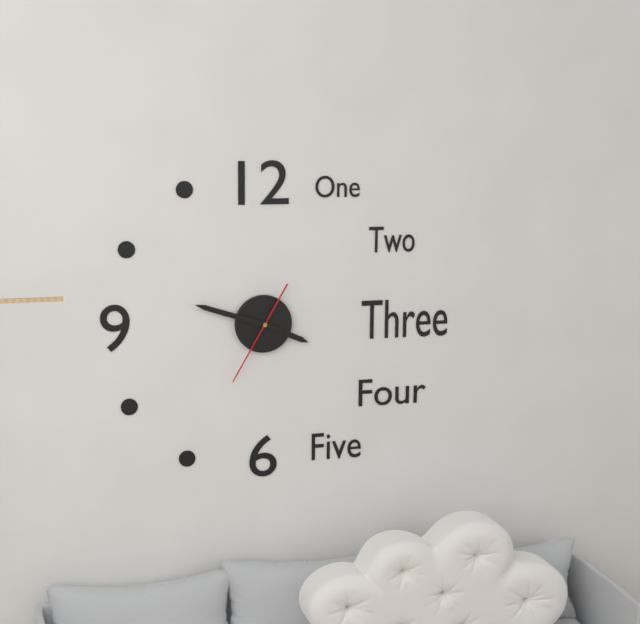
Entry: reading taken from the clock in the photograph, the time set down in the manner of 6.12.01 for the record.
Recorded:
3.48.35
